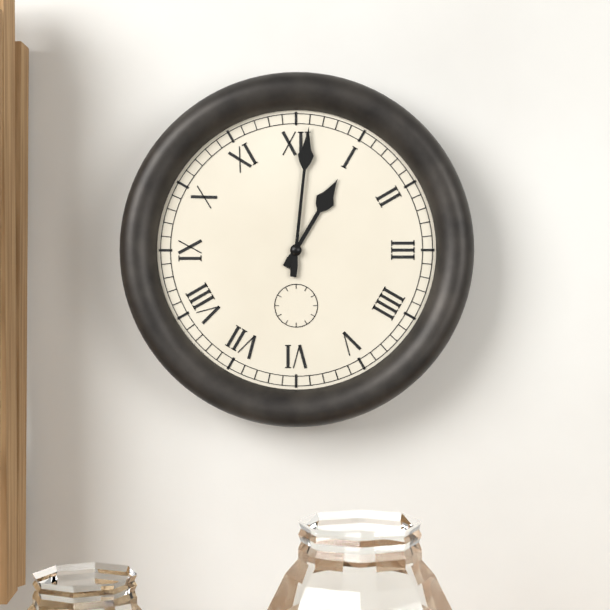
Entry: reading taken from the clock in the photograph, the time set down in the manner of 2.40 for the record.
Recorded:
1.01
